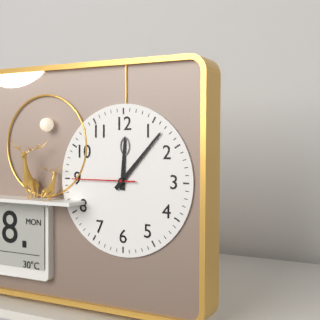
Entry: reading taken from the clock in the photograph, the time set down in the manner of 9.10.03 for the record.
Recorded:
12.07.45
